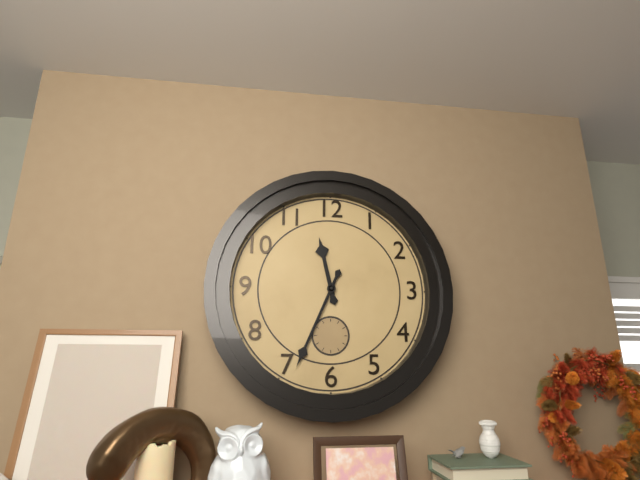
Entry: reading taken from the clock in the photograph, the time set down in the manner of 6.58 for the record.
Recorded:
11.34
